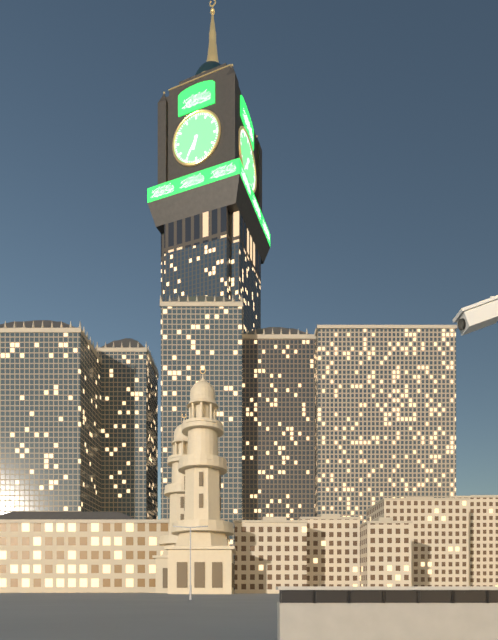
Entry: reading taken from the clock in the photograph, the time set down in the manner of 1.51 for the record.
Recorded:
6.35
